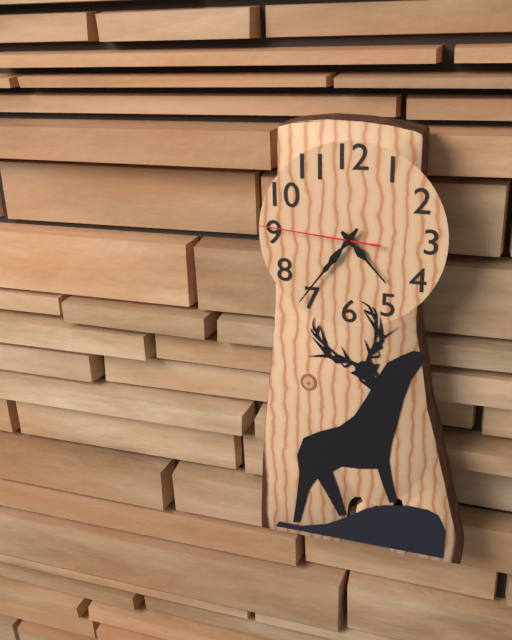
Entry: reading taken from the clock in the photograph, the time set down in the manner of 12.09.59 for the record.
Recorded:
4.36.46
